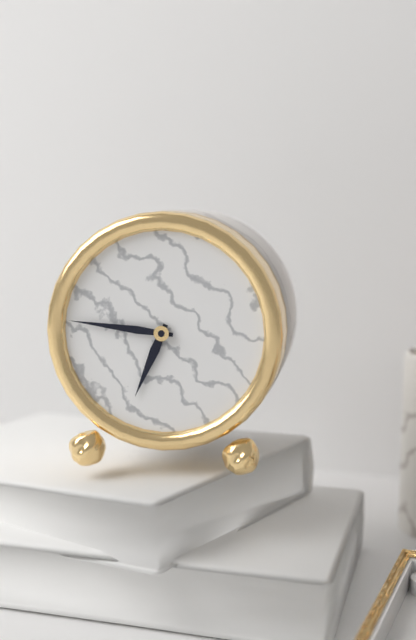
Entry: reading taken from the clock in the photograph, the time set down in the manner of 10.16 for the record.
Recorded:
6.46
